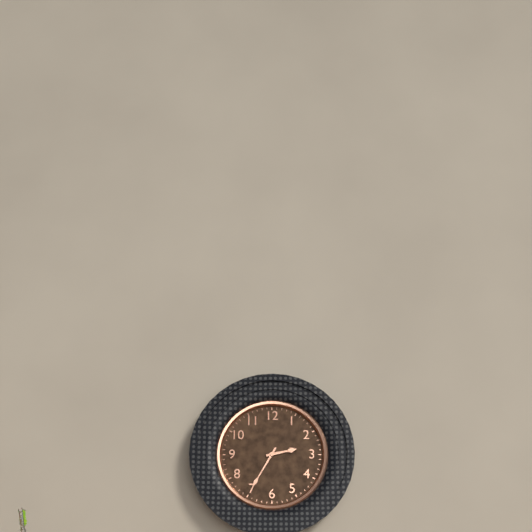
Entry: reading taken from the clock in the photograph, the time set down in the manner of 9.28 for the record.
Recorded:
2.35
